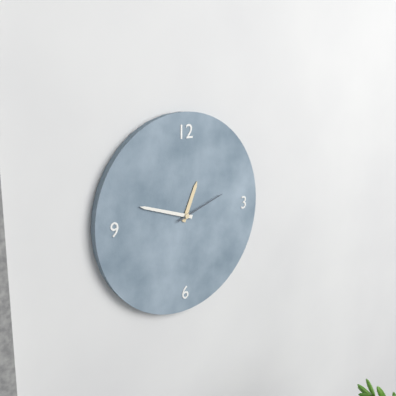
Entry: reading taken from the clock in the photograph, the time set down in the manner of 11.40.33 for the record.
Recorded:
12.48.12
